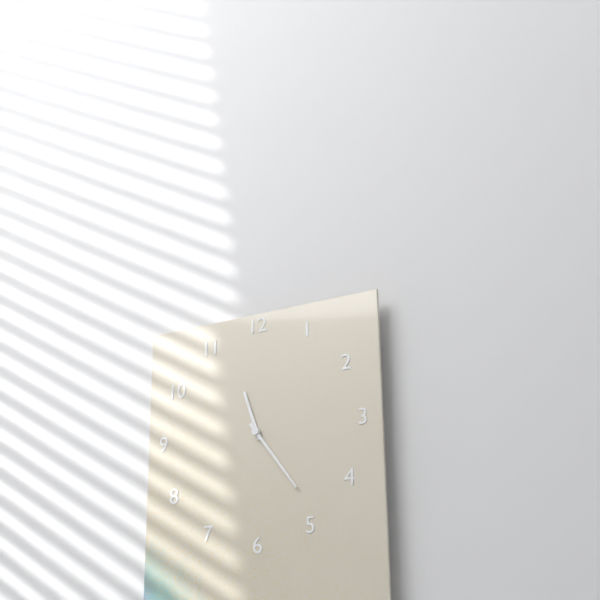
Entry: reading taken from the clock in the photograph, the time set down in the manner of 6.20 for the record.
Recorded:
11.24
